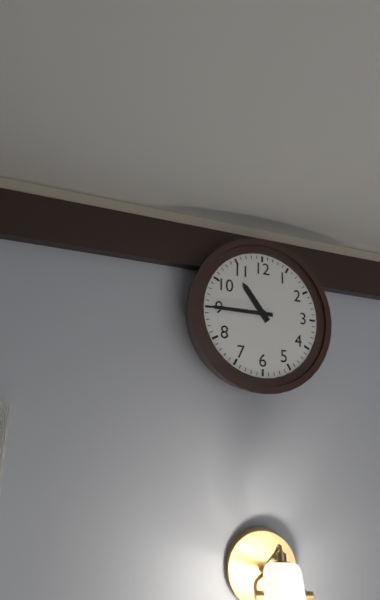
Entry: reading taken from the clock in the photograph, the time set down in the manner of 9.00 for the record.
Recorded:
10.45
